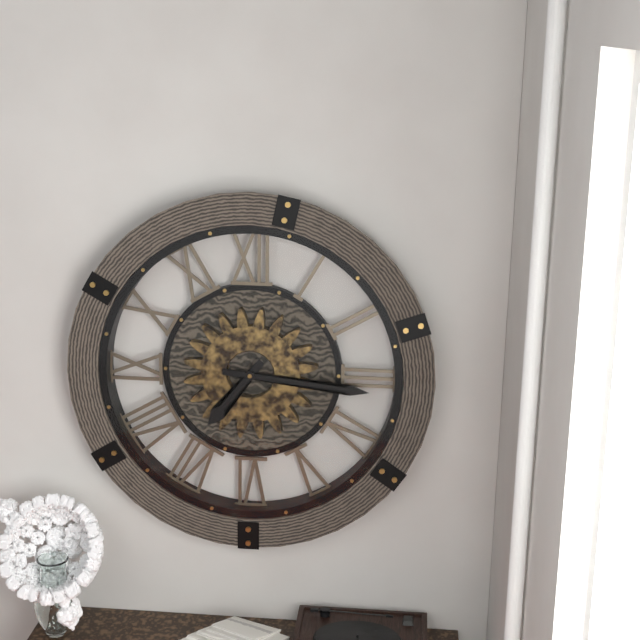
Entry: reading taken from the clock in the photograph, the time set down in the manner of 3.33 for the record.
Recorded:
7.16
